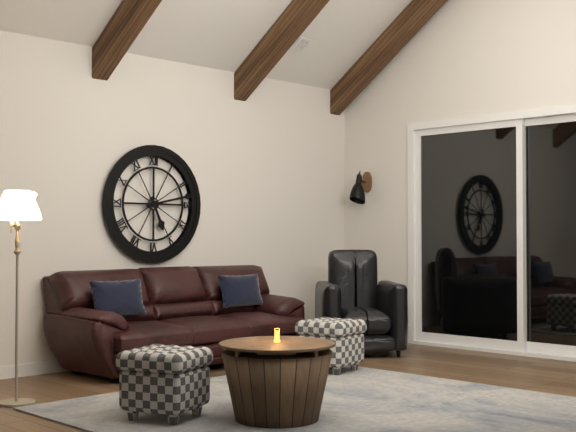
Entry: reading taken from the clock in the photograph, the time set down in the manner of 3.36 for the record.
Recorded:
5.13
